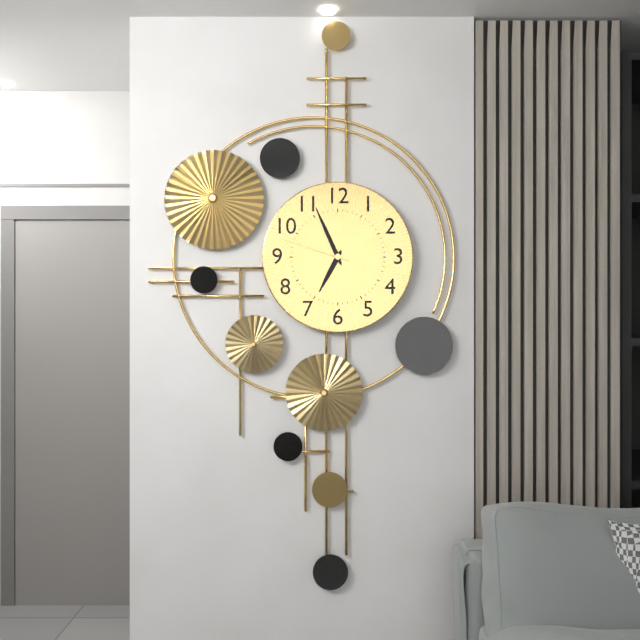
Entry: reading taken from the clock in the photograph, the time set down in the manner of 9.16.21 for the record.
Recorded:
6.56.48
